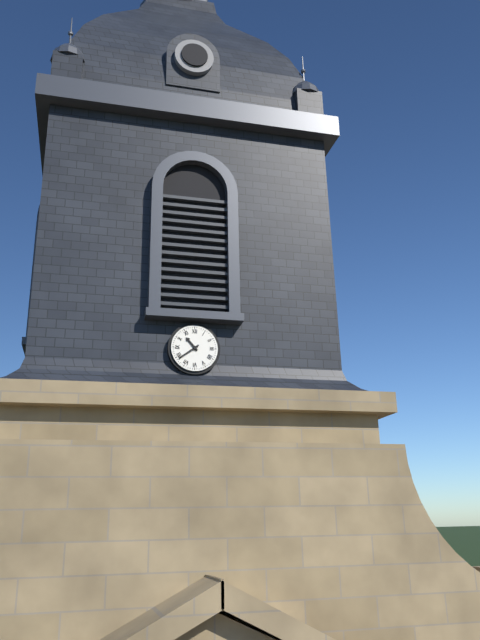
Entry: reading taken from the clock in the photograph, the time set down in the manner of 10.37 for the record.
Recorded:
10.39
